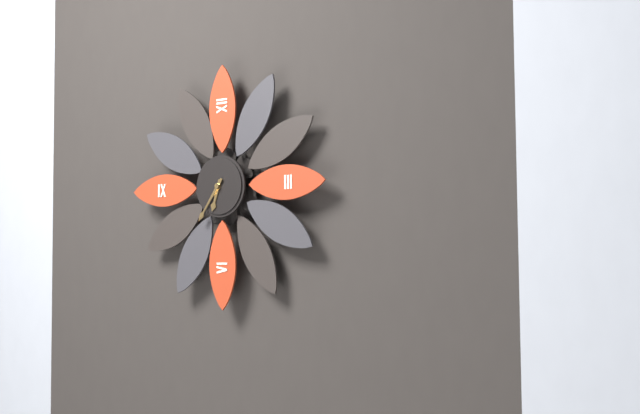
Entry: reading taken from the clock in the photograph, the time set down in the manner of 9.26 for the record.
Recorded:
6.36
